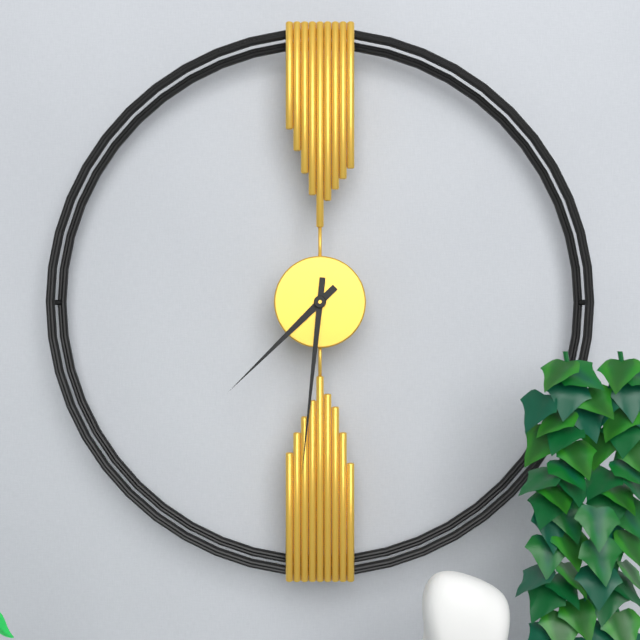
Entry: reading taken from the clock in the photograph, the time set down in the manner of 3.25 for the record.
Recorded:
7.31
